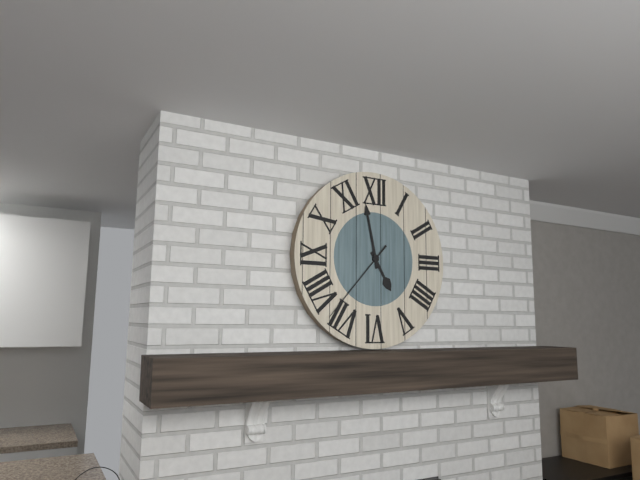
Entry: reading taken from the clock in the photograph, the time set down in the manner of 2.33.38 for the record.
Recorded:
4.58.37
